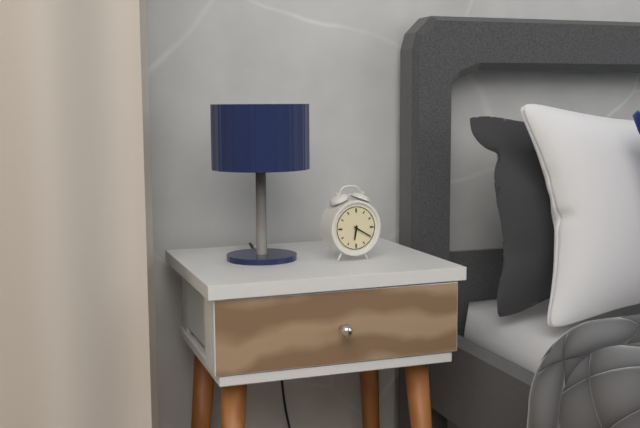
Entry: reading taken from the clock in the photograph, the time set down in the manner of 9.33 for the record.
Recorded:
6.20
